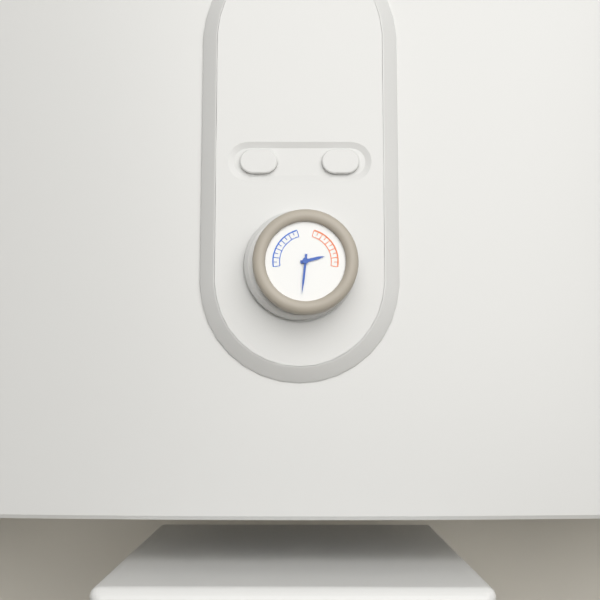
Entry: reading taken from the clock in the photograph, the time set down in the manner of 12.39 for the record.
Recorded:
2.31
